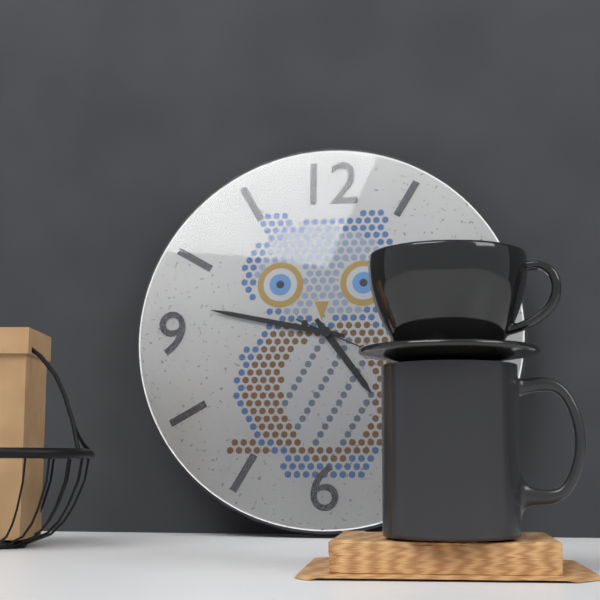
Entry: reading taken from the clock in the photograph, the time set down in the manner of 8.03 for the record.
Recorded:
4.47
